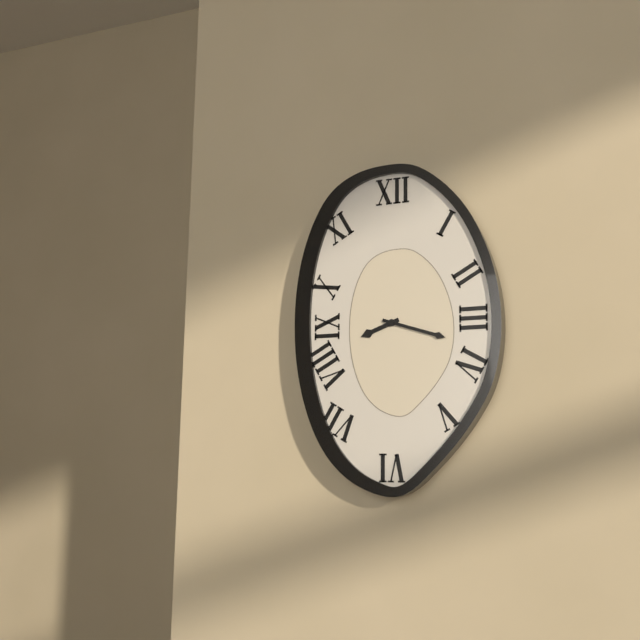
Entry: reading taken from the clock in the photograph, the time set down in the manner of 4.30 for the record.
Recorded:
8.18
